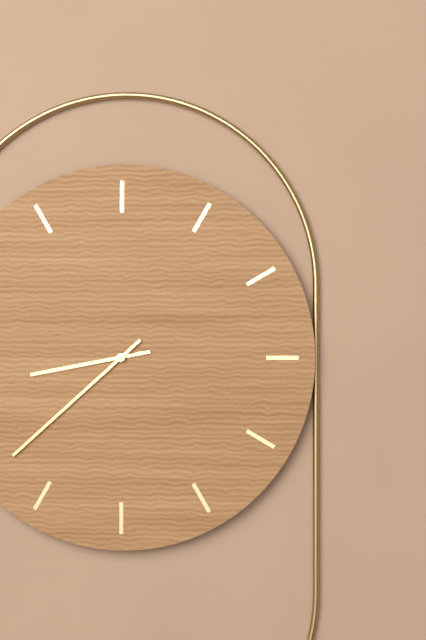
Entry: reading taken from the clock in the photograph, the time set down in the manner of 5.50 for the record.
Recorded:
8.38
